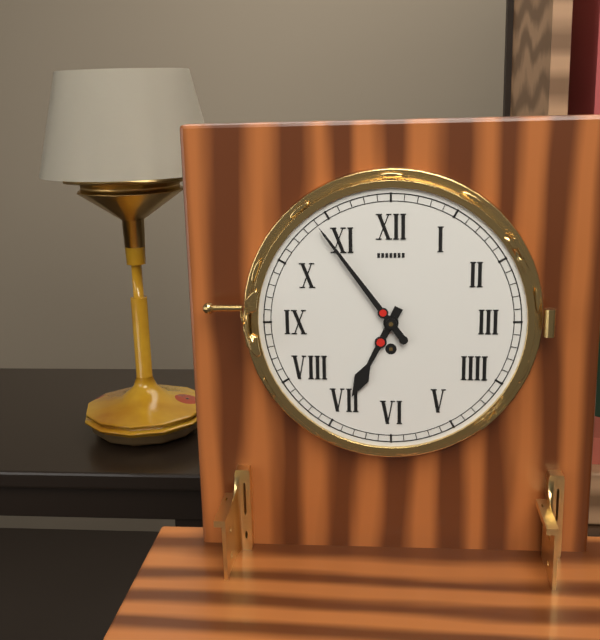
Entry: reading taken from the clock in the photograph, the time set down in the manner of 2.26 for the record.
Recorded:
6.54
